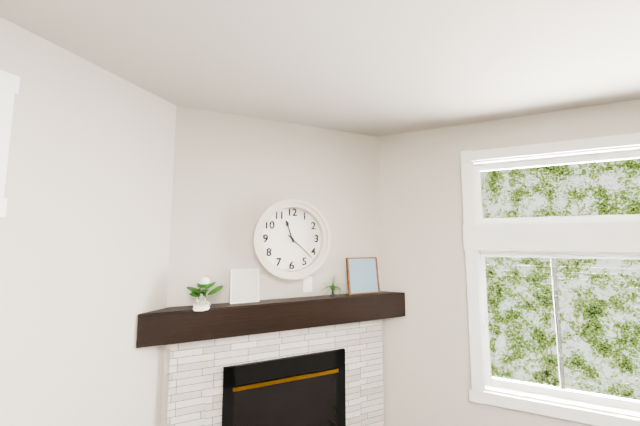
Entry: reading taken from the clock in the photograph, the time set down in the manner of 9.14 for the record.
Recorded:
11.22
